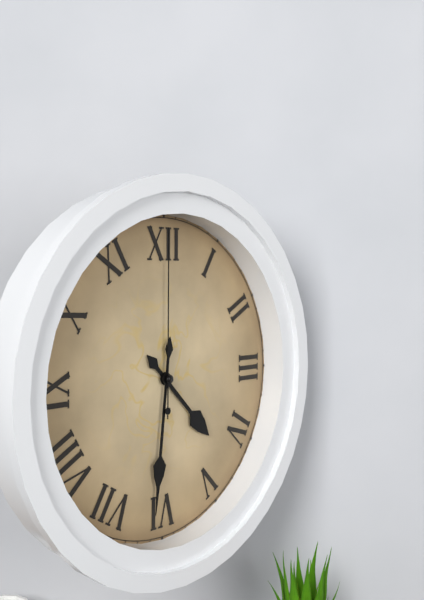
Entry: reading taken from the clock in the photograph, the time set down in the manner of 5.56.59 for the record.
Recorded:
4.31.00
